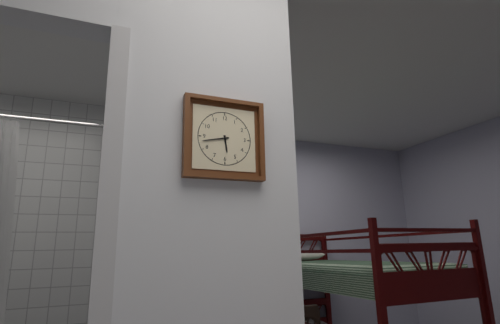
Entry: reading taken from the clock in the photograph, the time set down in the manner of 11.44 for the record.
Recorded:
5.43
